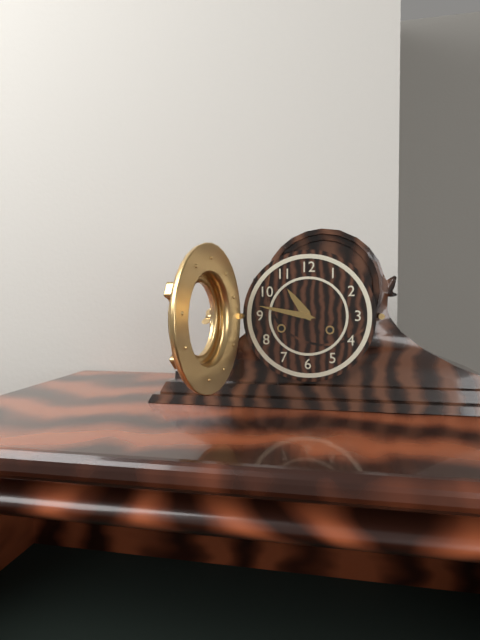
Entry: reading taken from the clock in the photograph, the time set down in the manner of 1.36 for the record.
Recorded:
10.47
